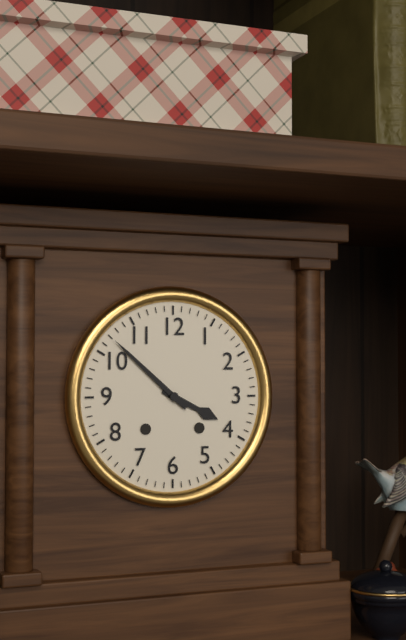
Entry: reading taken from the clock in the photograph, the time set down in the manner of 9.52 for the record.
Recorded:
3.52
